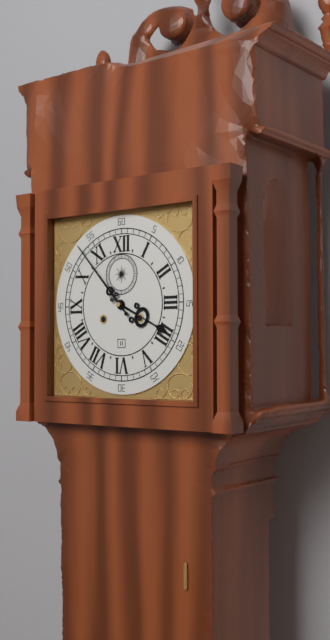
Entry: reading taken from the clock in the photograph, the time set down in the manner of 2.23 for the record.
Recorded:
3.53
